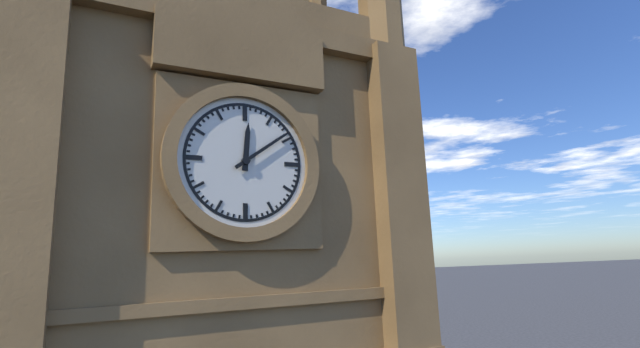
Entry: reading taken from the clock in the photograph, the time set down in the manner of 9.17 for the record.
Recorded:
12.09
